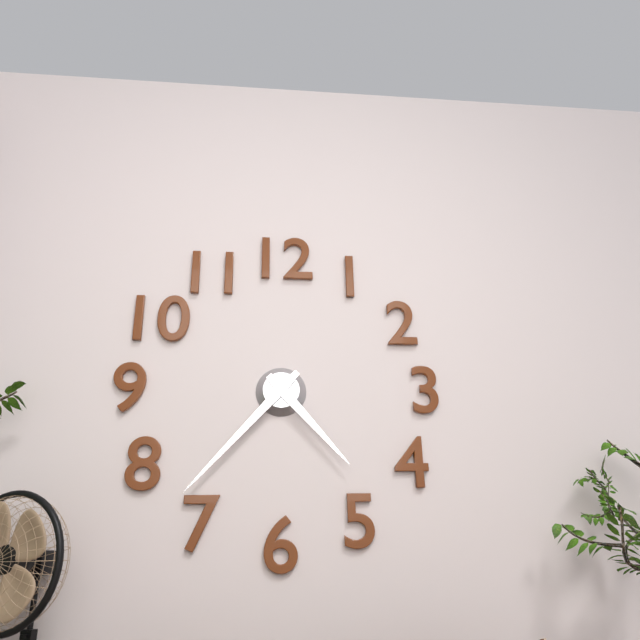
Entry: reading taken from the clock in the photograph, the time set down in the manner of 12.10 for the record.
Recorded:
4.37
